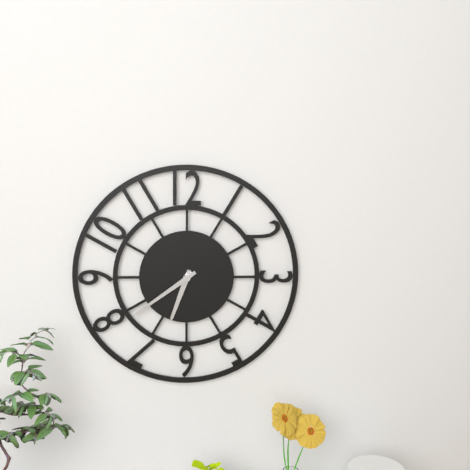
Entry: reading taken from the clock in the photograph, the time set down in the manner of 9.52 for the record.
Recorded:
6.39
